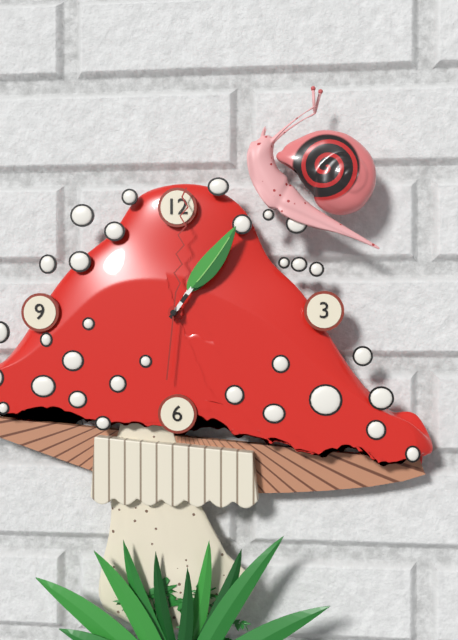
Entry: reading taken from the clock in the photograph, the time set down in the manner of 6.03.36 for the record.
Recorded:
1.06.01
